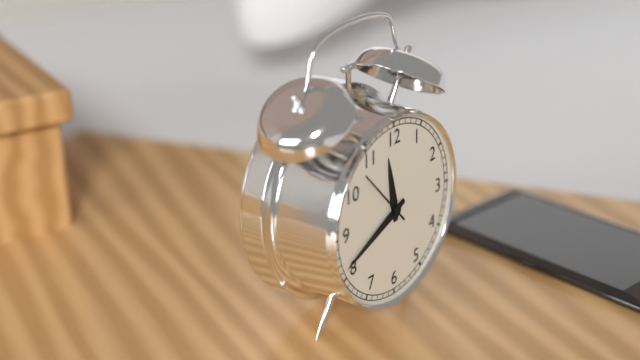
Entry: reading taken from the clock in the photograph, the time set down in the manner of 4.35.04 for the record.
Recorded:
11.41.53
